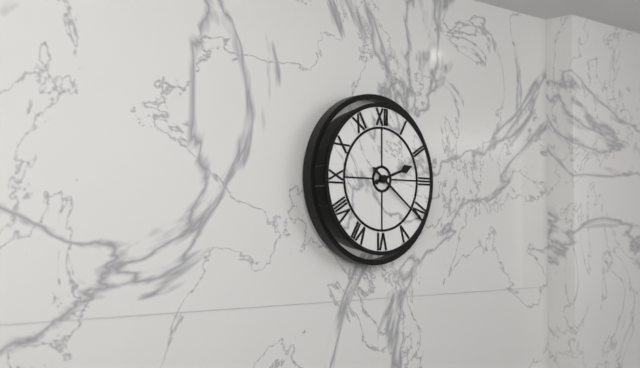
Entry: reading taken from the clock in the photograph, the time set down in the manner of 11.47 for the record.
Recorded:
2.21
